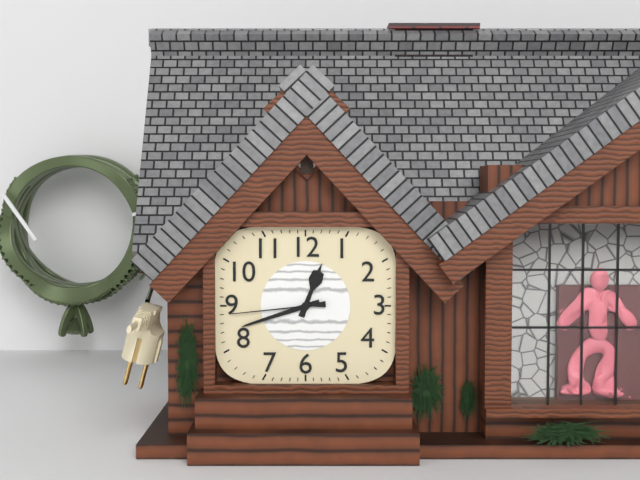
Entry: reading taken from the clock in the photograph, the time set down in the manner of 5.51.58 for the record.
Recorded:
12.42.44
